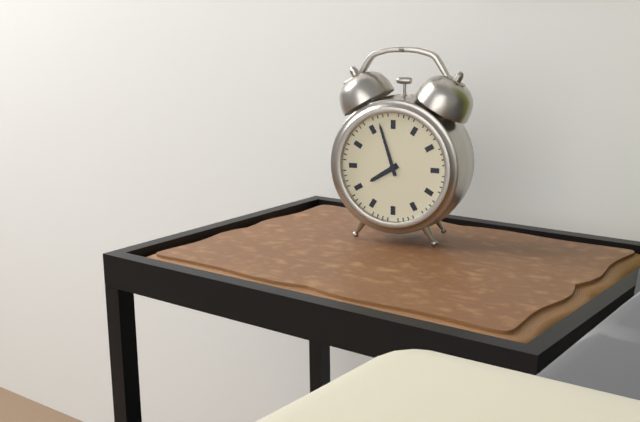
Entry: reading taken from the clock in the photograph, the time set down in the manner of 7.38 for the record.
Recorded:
7.57
